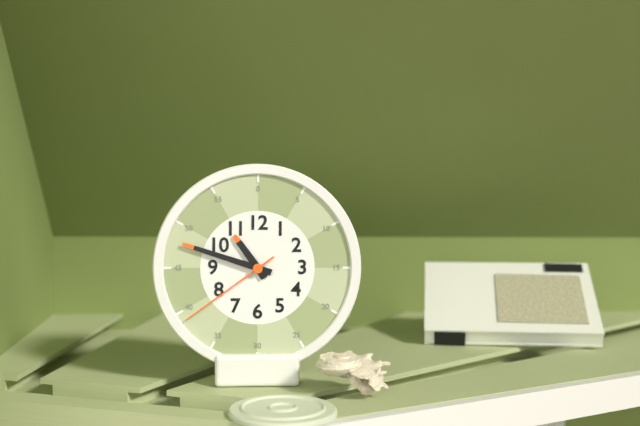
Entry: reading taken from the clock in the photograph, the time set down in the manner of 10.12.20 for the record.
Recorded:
10.48.39
